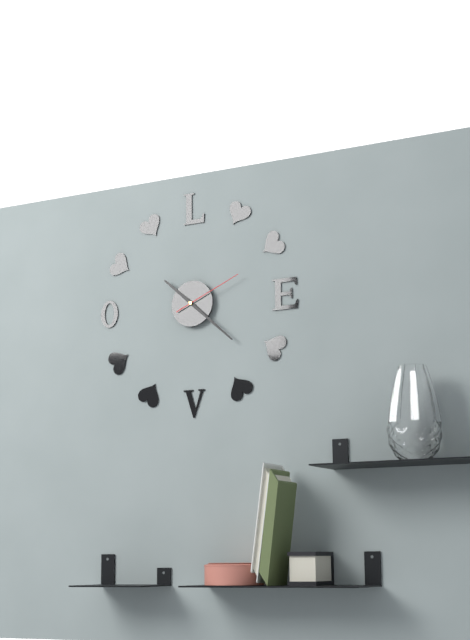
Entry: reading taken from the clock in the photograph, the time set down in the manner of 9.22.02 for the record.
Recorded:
10.22.11
